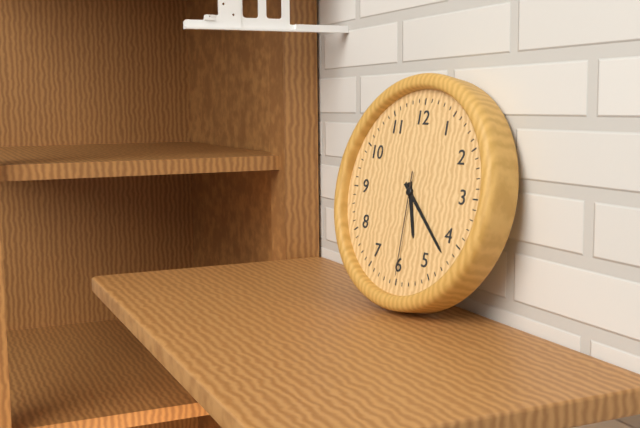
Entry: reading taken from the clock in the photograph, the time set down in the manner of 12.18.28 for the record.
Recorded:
5.22.30
